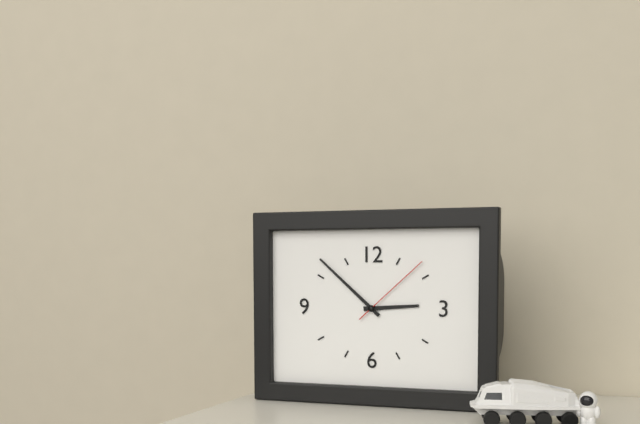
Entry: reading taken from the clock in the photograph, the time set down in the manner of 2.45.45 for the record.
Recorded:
2.52.08
